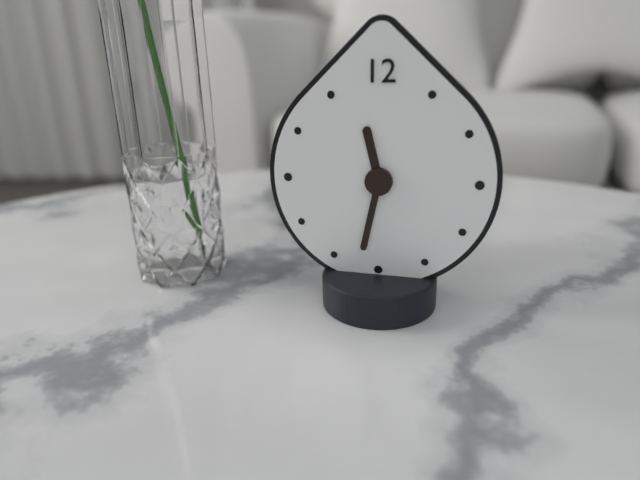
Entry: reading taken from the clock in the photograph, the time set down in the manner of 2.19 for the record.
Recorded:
11.32
